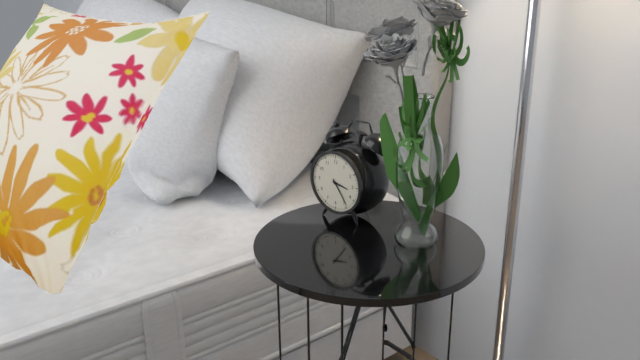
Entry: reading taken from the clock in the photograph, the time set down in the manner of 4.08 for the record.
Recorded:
3.24
